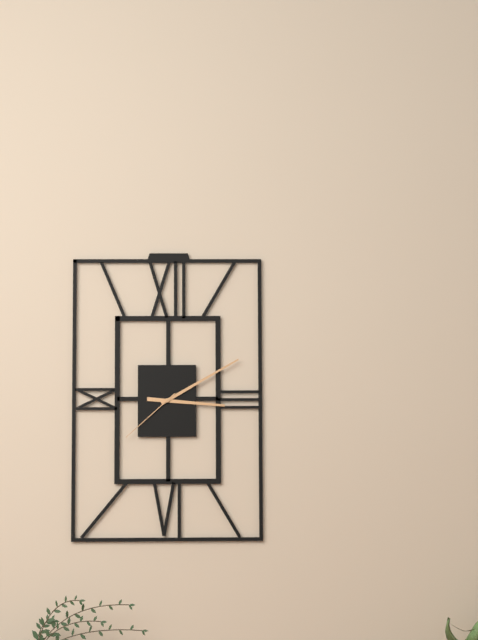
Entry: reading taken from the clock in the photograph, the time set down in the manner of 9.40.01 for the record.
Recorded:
3.10.38
